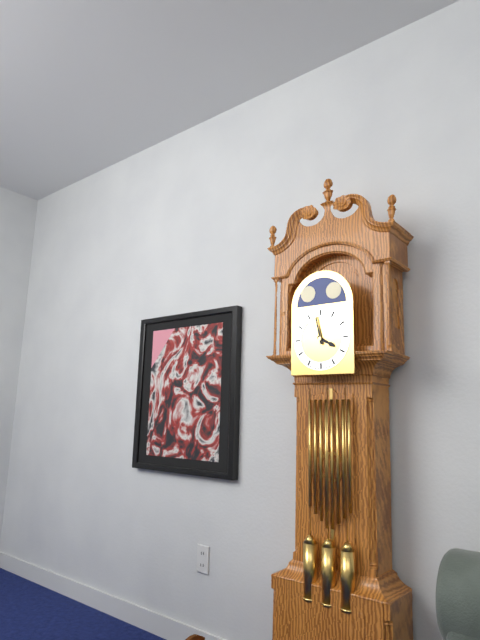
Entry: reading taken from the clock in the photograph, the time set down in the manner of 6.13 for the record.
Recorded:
3.58
